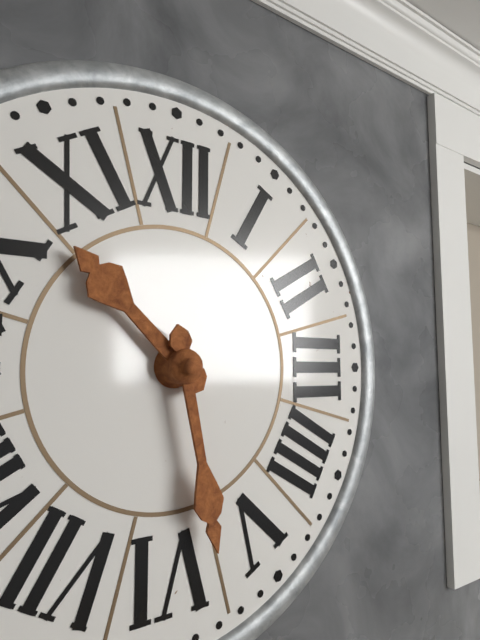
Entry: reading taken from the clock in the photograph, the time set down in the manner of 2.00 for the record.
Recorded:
10.28
